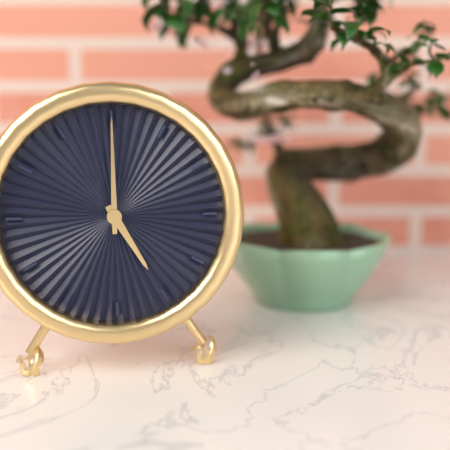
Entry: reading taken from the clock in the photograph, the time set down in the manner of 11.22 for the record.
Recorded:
5.00
